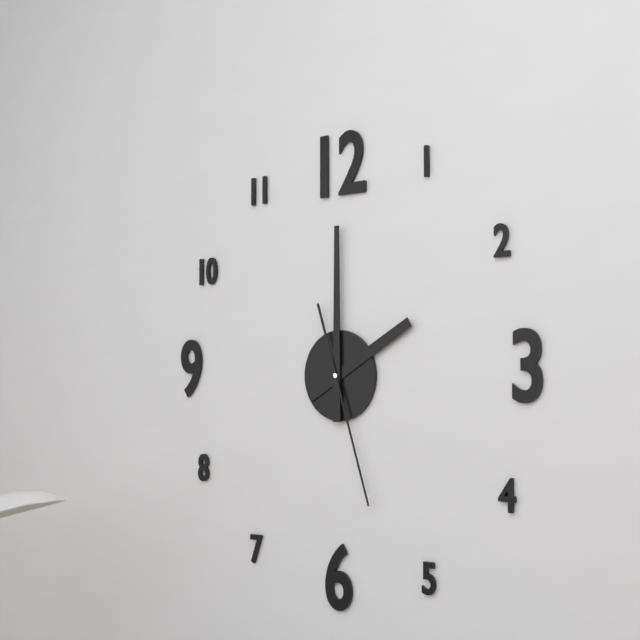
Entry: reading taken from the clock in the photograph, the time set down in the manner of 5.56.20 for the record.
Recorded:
2.00.27
